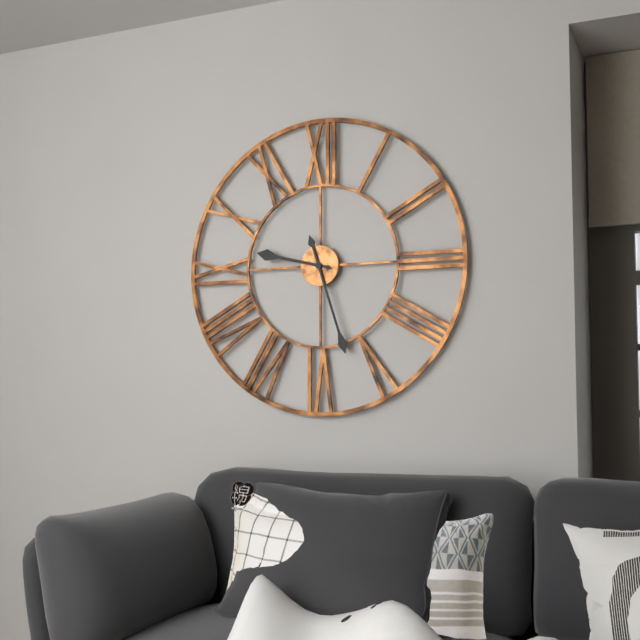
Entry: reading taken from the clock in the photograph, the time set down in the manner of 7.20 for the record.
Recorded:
9.27
